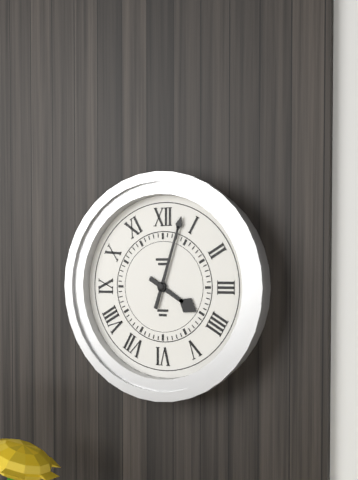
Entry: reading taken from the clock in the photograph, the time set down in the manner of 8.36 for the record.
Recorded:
4.03
